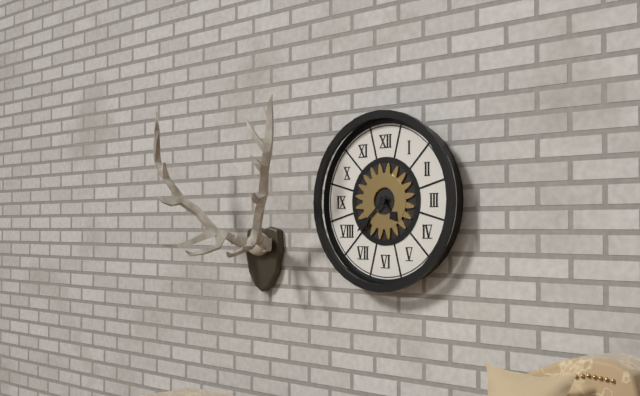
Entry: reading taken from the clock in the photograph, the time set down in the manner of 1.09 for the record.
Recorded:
4.38
